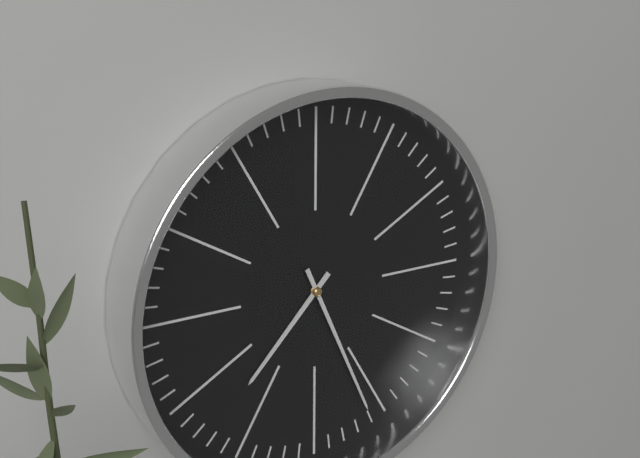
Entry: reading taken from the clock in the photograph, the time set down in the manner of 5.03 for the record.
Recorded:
7.26
